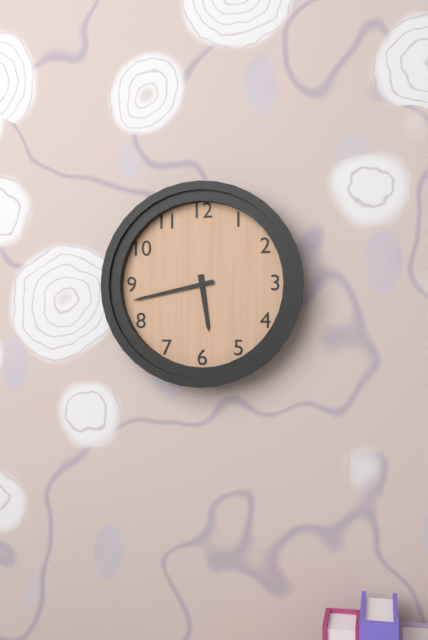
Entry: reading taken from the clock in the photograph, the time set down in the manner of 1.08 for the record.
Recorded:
5.43
